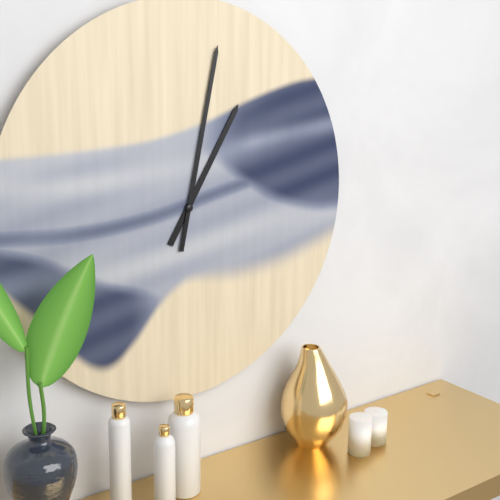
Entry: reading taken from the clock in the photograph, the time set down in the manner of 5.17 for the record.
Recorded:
1.02
